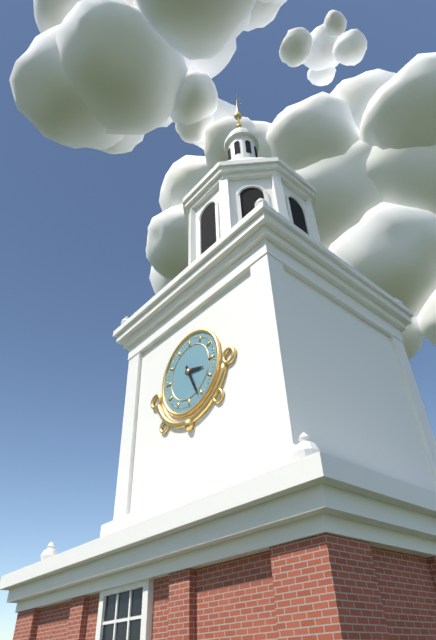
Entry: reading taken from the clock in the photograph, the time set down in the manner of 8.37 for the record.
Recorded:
3.26
